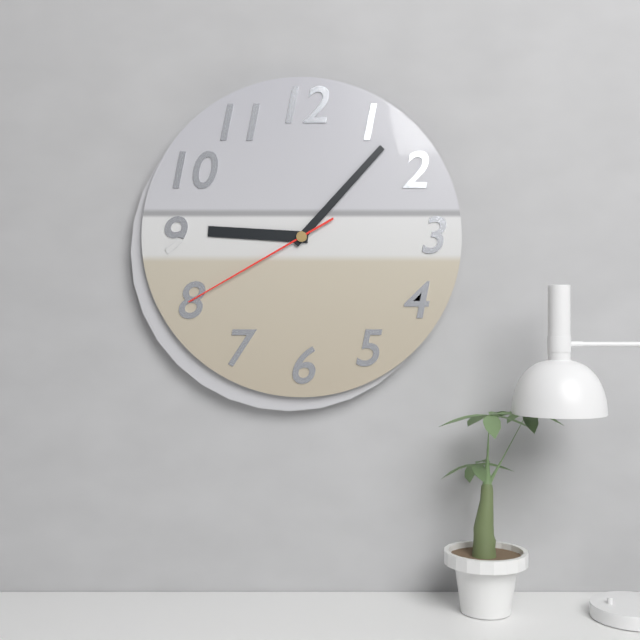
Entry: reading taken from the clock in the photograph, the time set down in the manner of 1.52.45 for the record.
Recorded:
9.07.40
